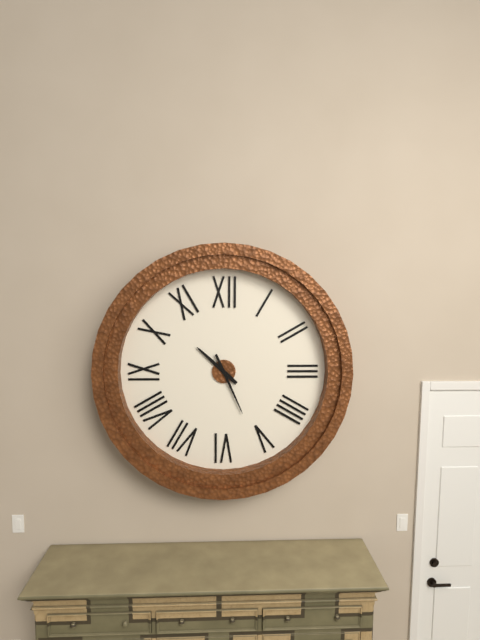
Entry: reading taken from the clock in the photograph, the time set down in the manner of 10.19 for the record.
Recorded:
10.26
